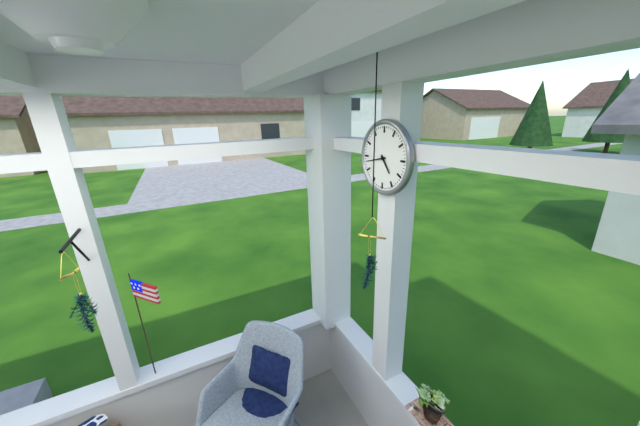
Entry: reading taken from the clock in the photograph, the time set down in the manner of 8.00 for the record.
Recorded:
4.43
